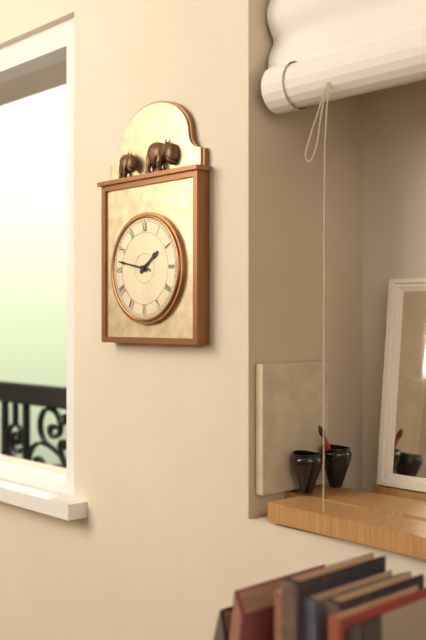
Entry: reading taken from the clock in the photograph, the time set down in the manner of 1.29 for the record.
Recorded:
1.47
